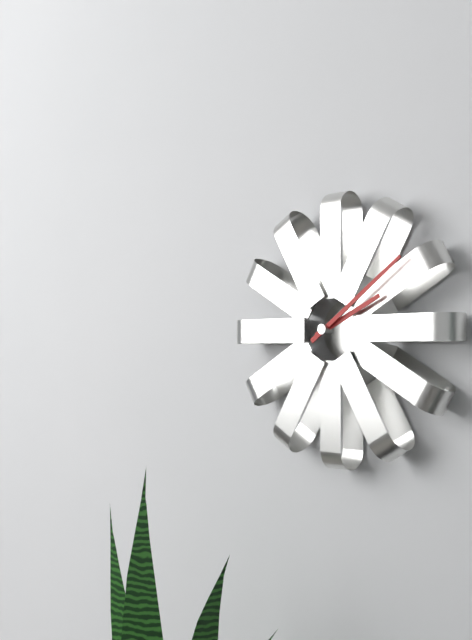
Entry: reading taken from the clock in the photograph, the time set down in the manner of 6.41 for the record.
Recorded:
2.09
